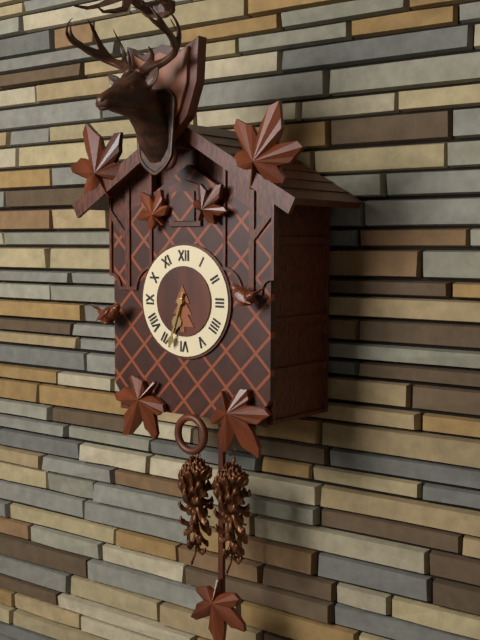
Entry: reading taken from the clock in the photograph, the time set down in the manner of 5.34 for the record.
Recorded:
6.33
